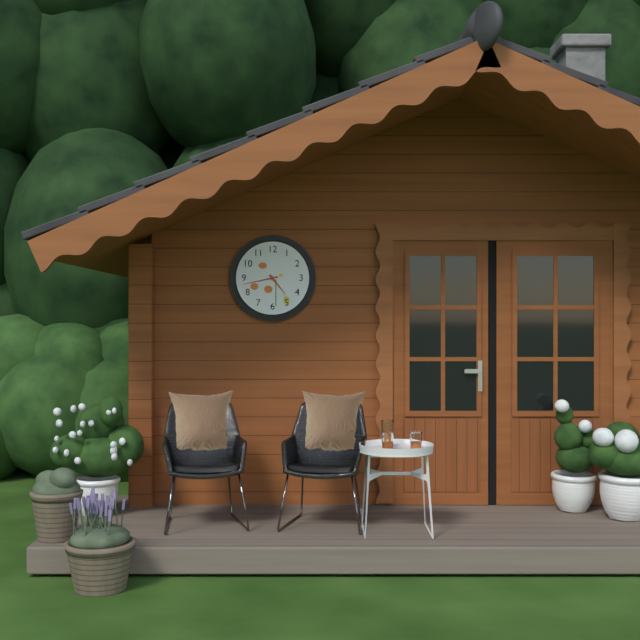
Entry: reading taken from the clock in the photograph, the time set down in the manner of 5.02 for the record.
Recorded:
4.43
